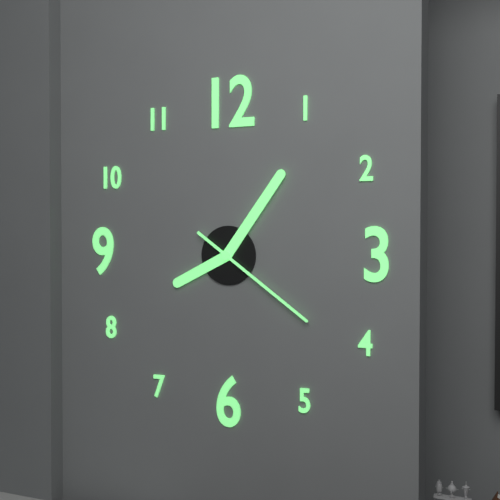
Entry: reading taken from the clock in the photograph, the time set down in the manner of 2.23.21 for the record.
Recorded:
8.06.21
